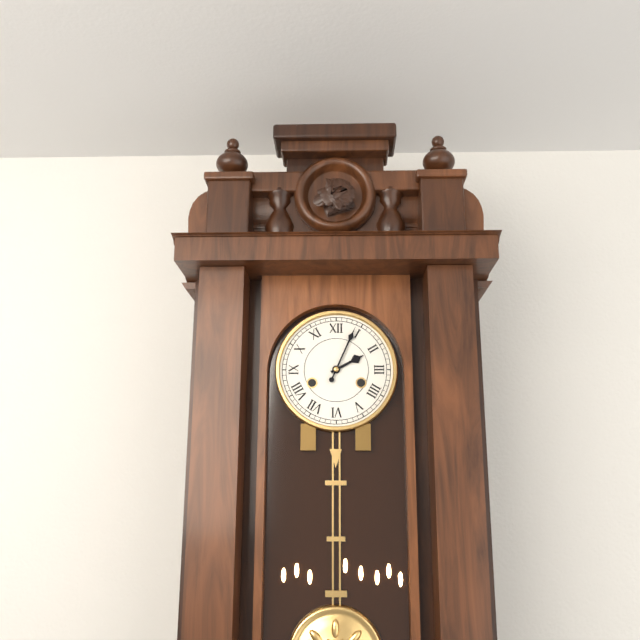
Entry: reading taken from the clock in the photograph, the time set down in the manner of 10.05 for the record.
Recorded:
2.04
